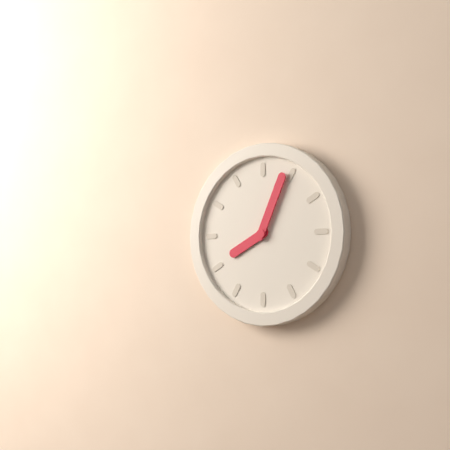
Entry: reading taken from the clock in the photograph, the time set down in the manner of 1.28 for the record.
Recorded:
8.04
